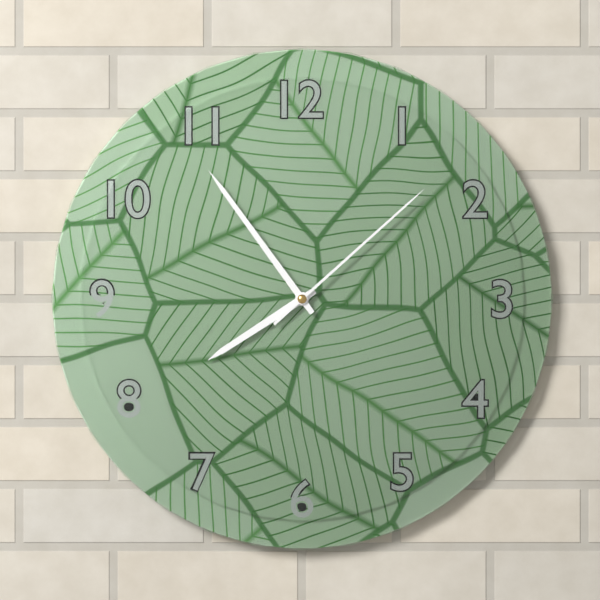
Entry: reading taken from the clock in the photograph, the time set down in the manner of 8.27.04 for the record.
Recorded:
7.54.08
